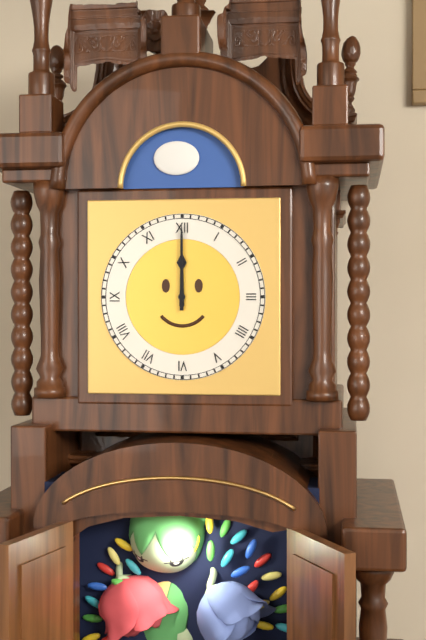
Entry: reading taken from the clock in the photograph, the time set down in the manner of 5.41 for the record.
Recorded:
12.00
